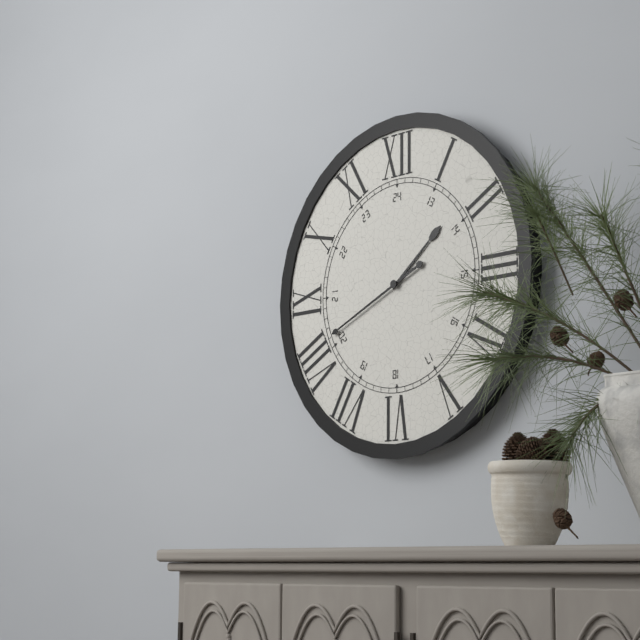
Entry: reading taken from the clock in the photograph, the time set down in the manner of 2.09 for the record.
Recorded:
1.41
